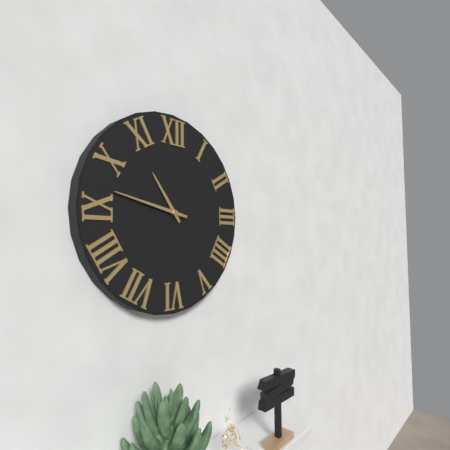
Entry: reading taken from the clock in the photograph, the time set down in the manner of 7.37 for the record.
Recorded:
10.47
